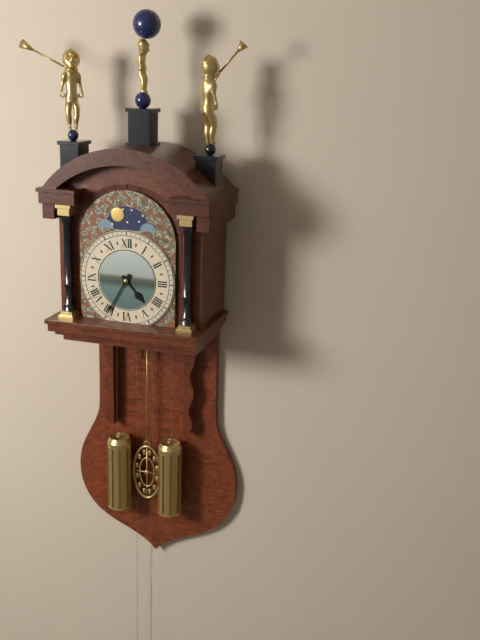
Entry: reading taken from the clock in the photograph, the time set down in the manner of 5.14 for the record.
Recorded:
4.35
